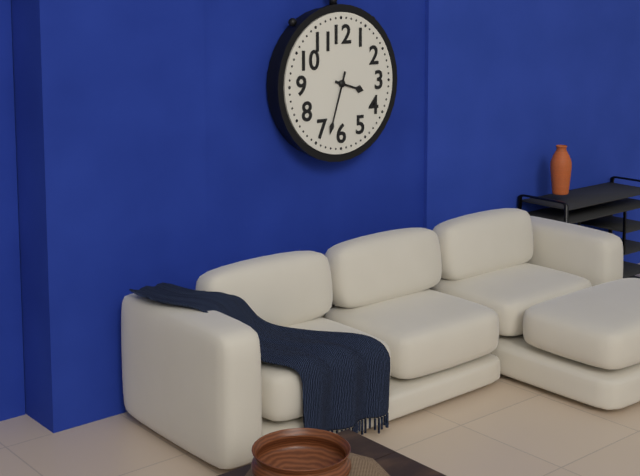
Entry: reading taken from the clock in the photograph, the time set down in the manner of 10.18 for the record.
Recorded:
3.33
